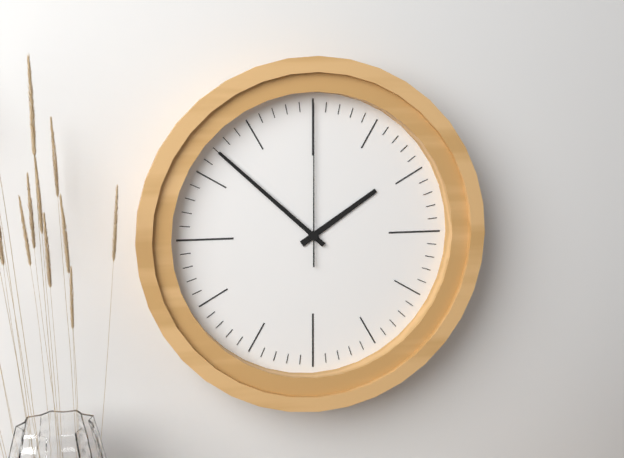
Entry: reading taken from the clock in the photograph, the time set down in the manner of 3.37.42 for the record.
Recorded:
1.52.00
